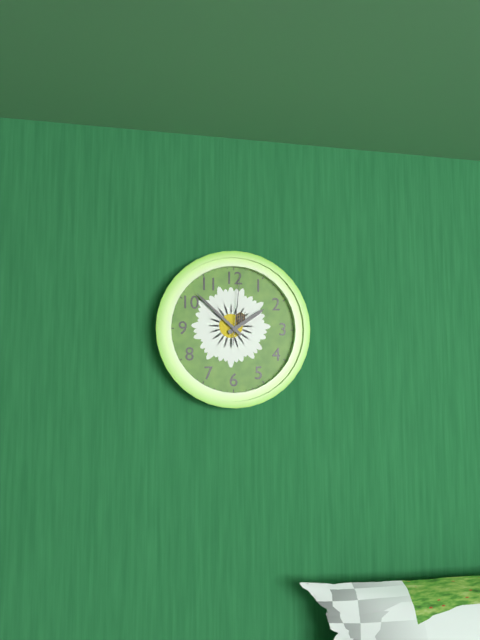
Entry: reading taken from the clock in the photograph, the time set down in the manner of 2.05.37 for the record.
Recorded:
1.52.01
